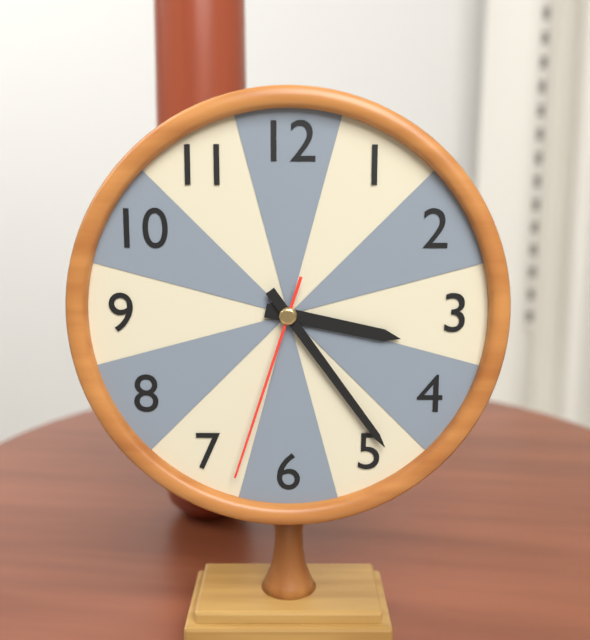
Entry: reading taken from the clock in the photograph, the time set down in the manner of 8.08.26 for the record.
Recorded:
3.24.33
